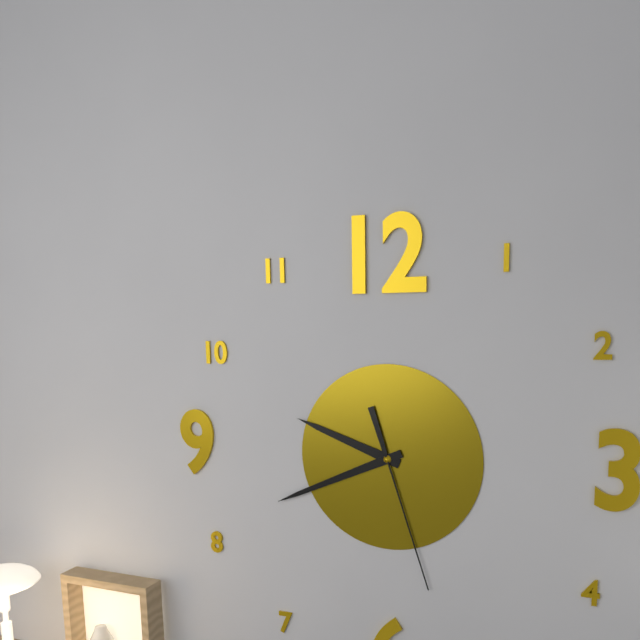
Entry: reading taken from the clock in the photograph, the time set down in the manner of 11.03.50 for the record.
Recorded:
9.41.27
